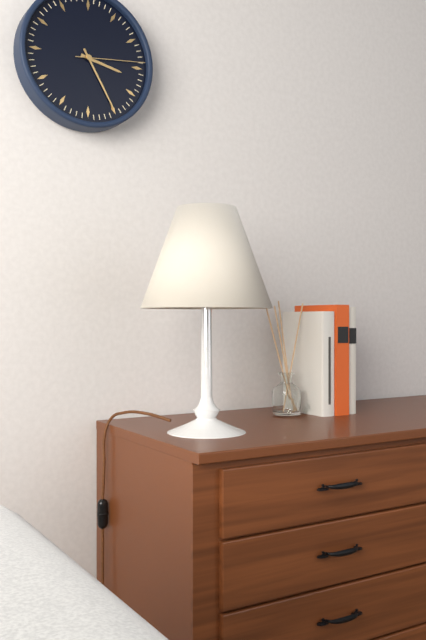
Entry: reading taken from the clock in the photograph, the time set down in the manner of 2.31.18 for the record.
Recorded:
3.25.14
